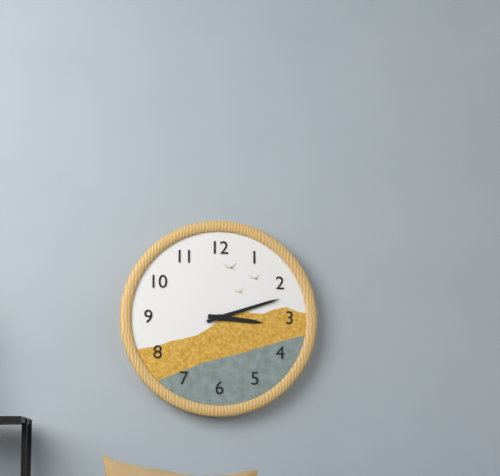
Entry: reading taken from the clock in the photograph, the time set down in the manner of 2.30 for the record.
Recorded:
3.12
